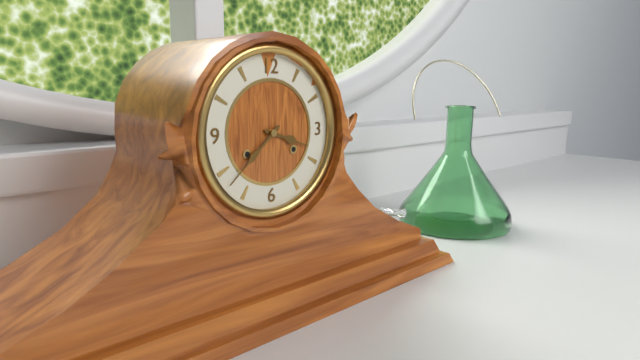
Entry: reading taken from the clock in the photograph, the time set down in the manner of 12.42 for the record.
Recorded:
3.38
